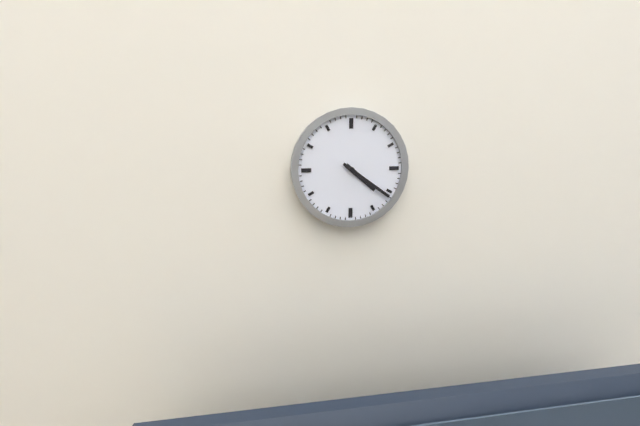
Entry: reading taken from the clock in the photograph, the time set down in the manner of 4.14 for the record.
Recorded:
4.21
